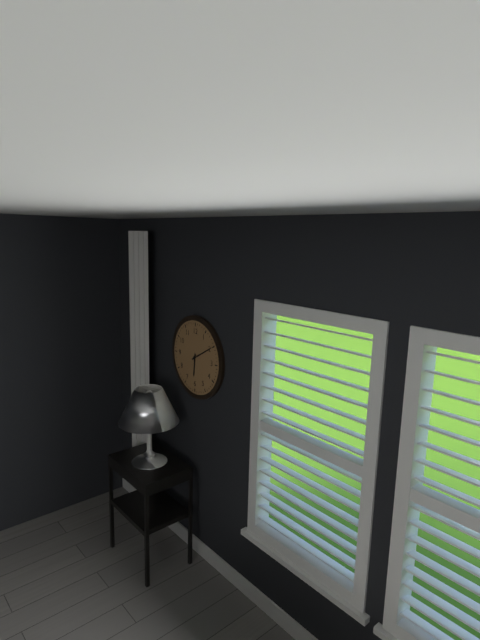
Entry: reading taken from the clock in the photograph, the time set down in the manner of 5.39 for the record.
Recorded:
6.10
